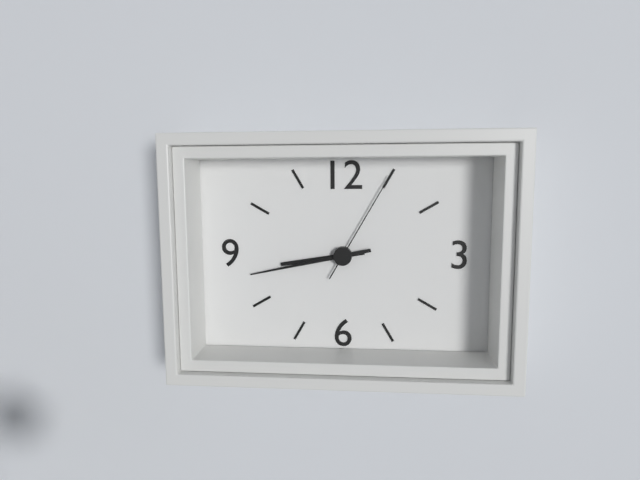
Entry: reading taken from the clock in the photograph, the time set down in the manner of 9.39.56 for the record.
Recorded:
8.43.05
